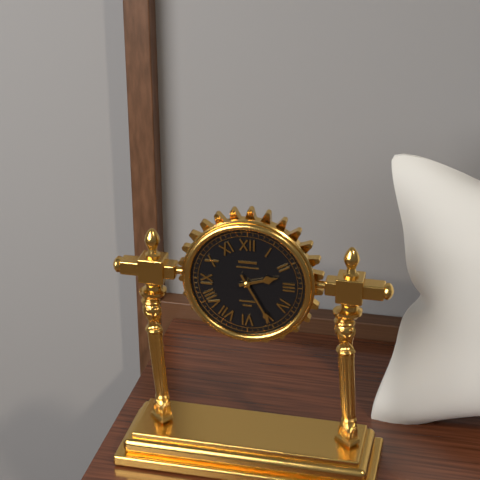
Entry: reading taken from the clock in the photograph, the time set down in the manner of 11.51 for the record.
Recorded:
2.25
